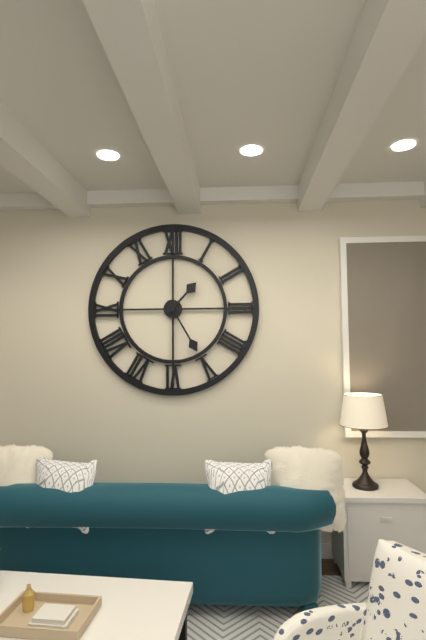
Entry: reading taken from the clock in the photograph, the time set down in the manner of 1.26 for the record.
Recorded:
1.25
